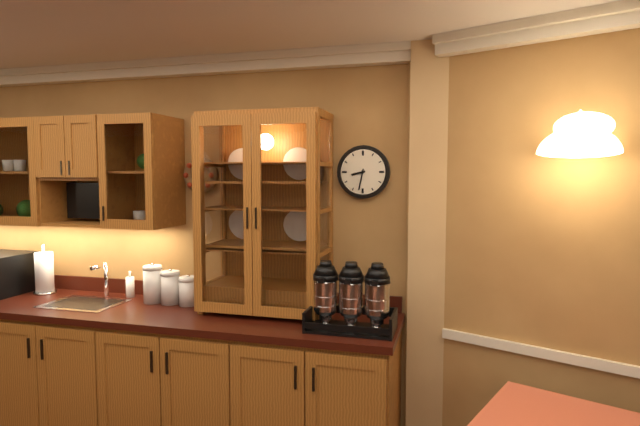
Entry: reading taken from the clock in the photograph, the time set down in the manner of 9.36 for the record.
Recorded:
8.32
